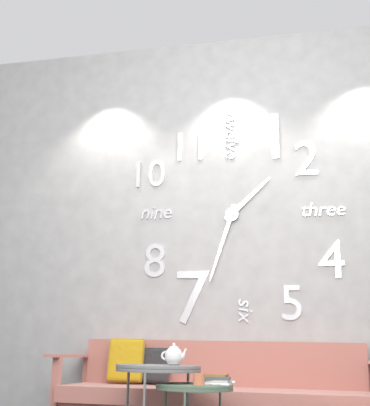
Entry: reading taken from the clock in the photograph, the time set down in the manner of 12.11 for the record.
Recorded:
1.33
